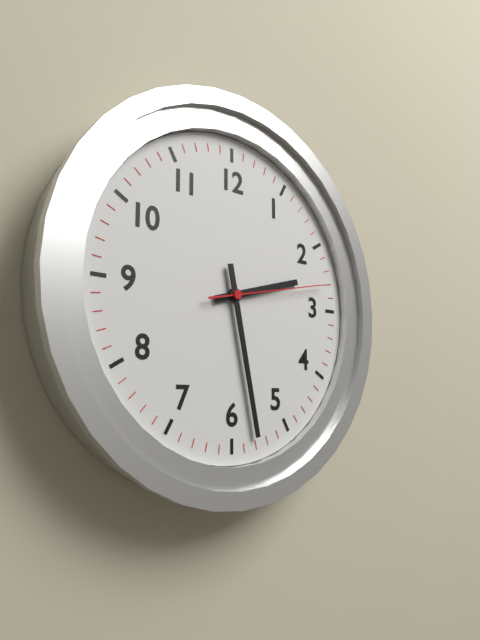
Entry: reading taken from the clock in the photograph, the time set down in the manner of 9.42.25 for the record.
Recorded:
2.28.13
